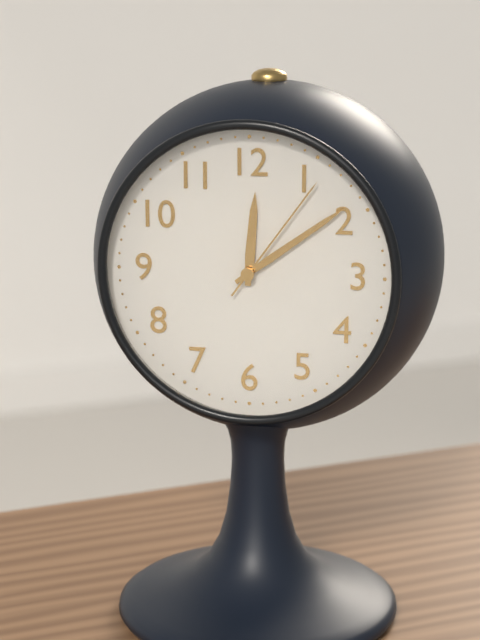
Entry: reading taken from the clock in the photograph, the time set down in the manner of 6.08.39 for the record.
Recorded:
12.09.06
